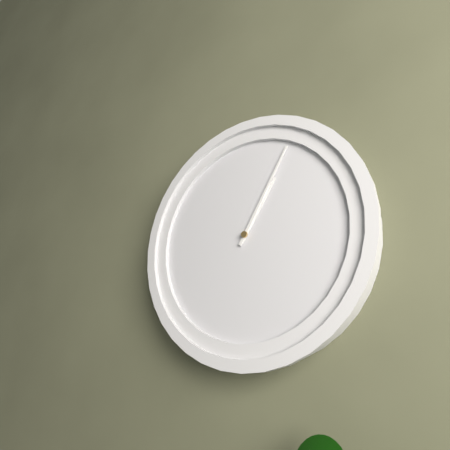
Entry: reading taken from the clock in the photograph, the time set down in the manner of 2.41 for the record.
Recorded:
1.05
